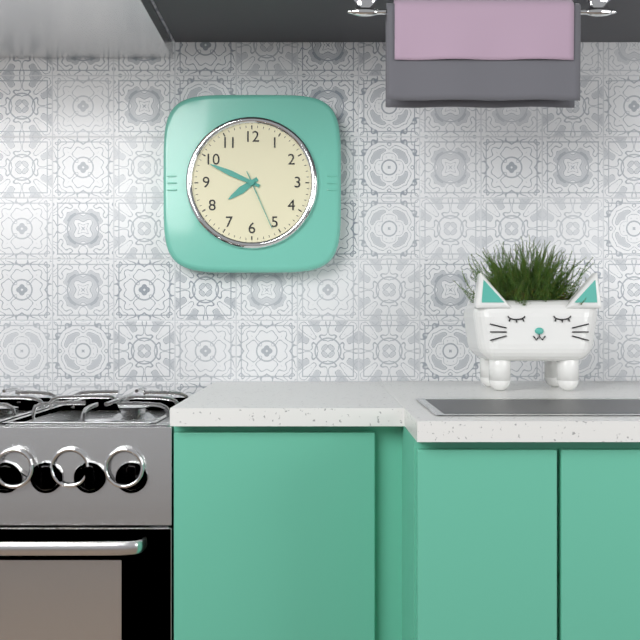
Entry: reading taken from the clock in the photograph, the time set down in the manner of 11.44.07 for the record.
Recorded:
7.49.26
